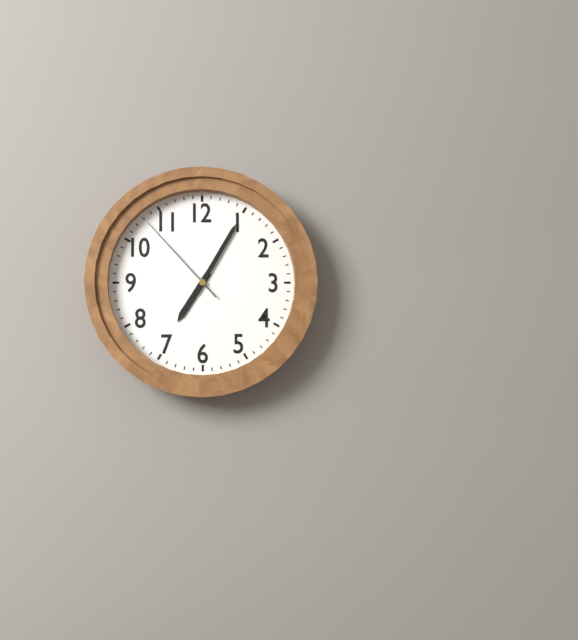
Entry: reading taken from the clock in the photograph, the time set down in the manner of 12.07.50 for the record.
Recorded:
7.05.53
